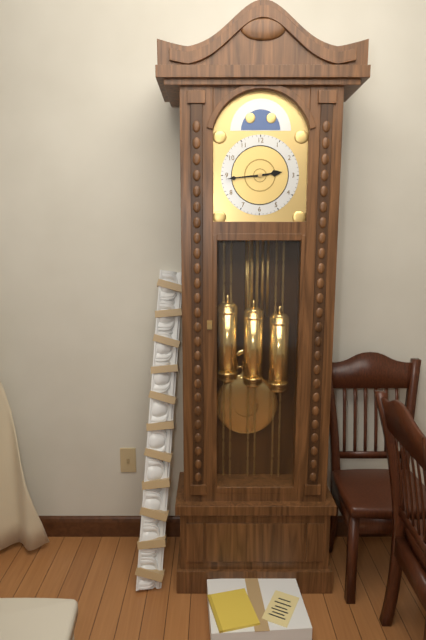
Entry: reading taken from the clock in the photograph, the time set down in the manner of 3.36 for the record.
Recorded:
2.44
